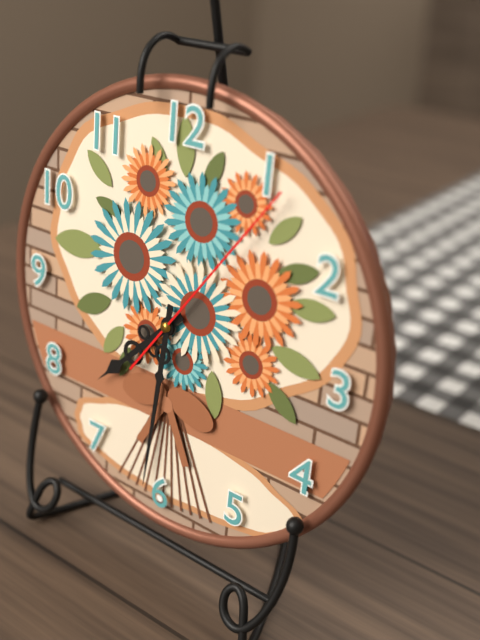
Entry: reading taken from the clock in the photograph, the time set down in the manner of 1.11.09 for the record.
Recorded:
7.31.06
